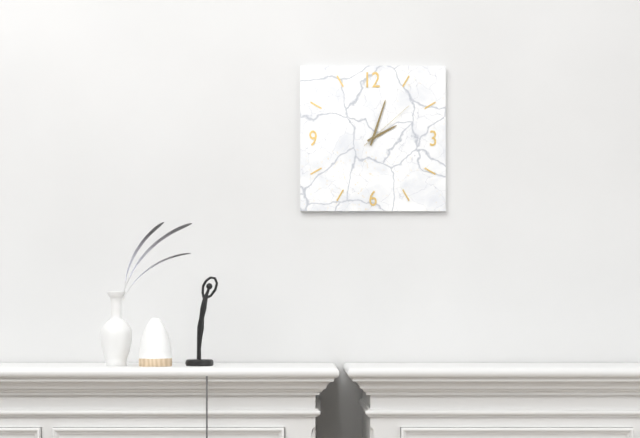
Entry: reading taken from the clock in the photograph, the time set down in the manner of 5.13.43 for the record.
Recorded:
2.03.08
